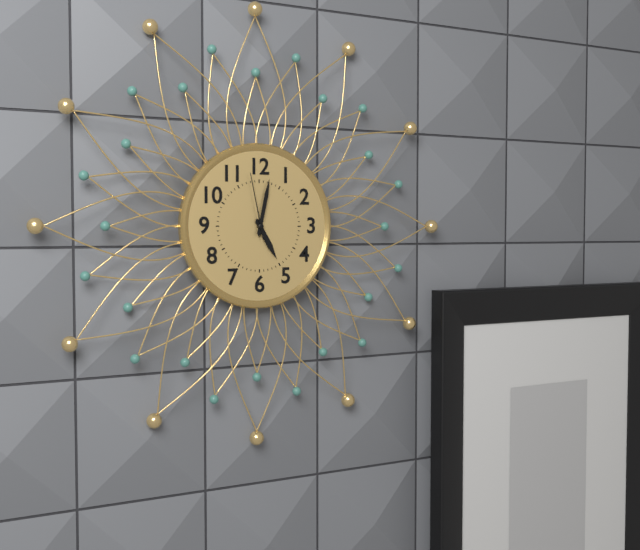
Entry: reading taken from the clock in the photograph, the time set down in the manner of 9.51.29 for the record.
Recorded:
5.02.58
